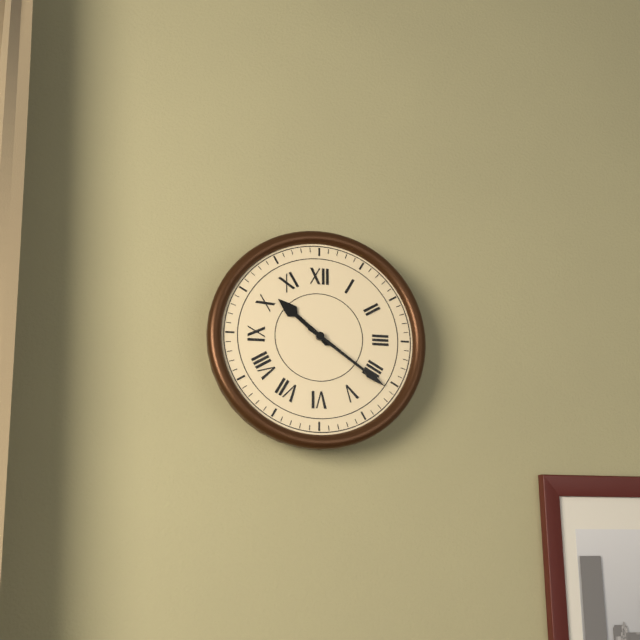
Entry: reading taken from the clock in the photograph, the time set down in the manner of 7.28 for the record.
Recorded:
10.21
